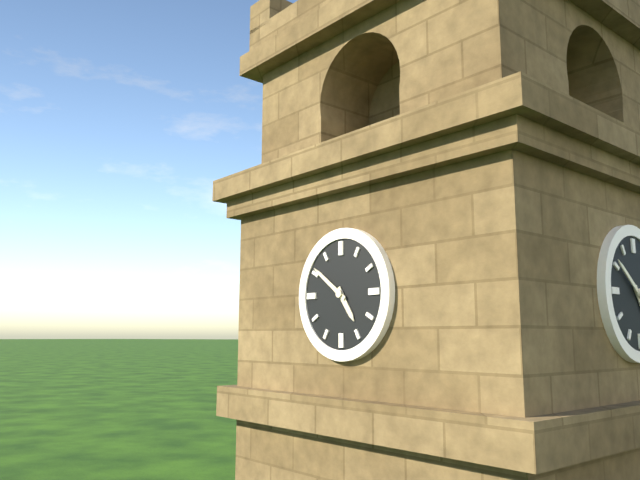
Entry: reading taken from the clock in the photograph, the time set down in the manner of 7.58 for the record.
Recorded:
4.51
